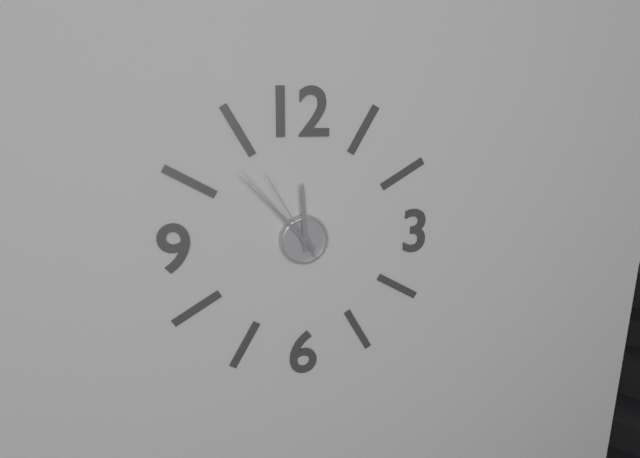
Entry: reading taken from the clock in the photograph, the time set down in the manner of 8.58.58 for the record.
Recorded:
11.53.55
